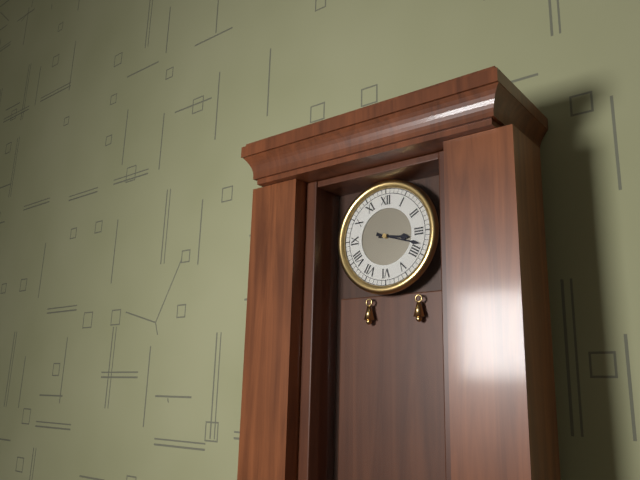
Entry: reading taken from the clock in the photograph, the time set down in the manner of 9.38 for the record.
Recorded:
3.18
